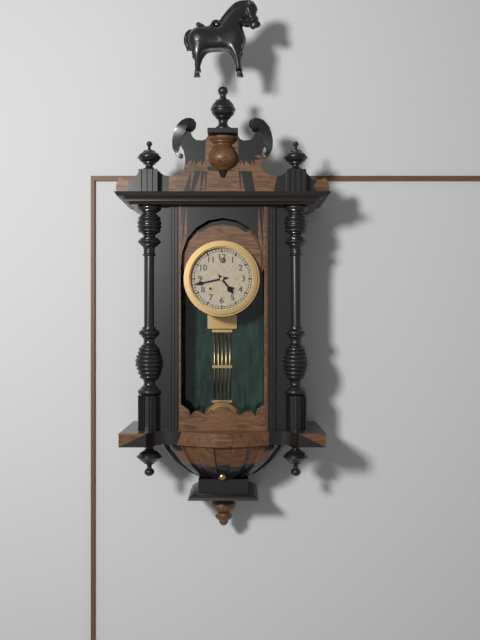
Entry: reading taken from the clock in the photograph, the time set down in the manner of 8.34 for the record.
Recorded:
4.43
